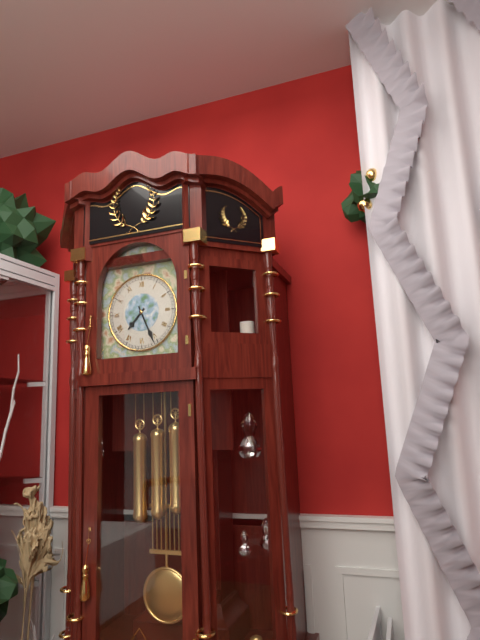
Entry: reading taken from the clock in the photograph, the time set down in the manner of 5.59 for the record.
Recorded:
7.26
